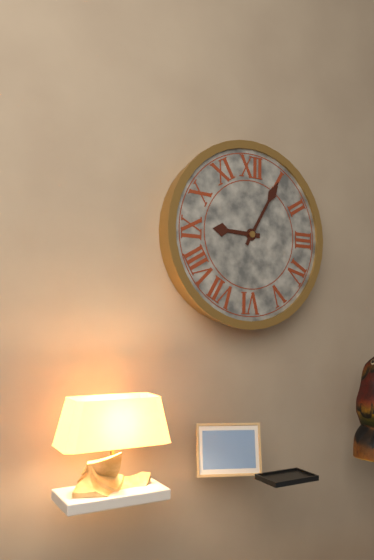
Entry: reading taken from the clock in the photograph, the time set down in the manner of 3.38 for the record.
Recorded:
9.05
